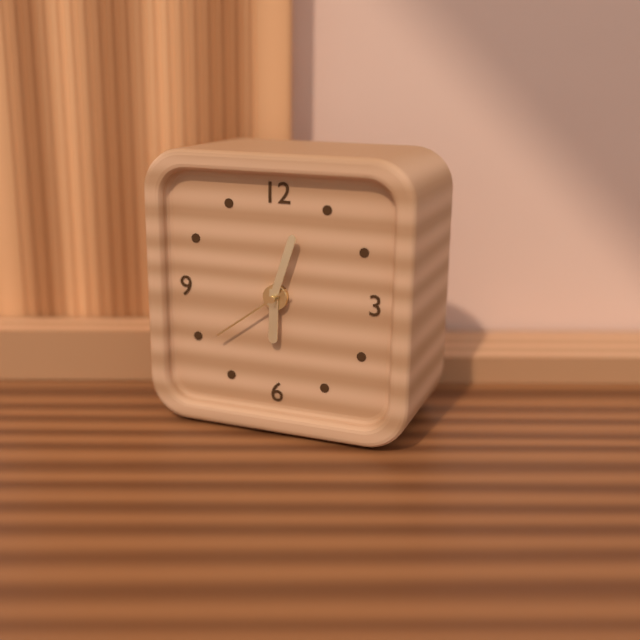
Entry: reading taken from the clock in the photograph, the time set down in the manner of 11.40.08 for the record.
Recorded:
6.03.39
